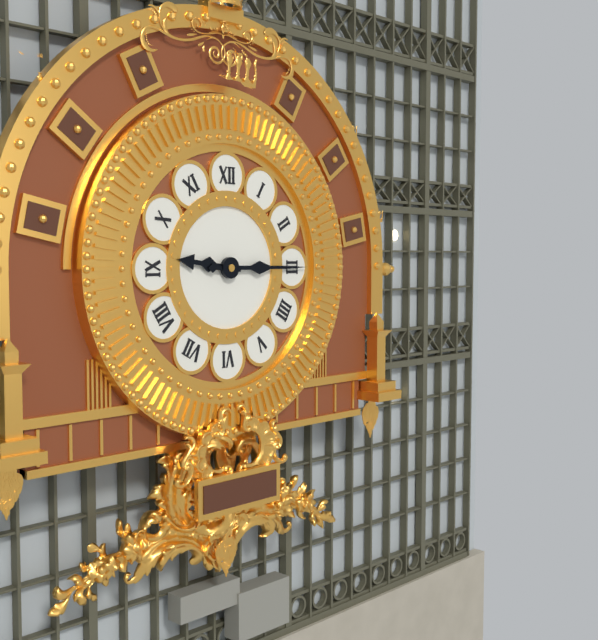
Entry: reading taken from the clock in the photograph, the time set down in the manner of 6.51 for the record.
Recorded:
9.15
